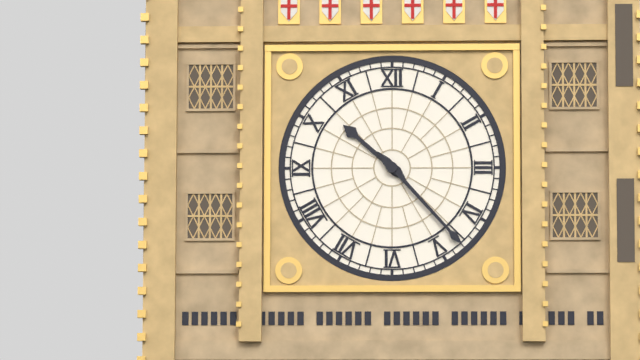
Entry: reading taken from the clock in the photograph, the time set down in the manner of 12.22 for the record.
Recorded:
10.23
